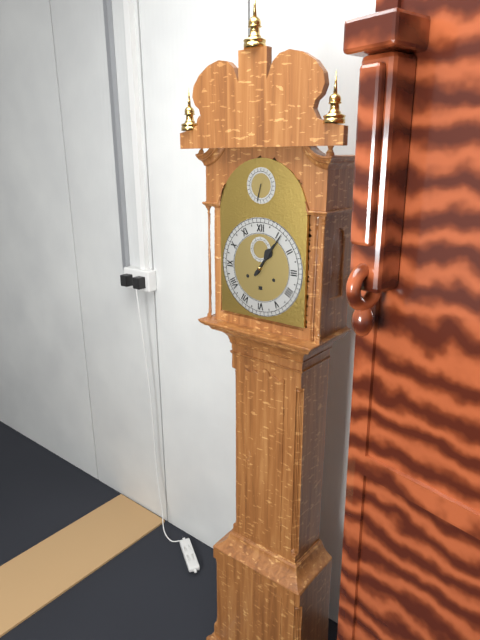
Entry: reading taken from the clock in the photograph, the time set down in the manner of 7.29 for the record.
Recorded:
1.06
